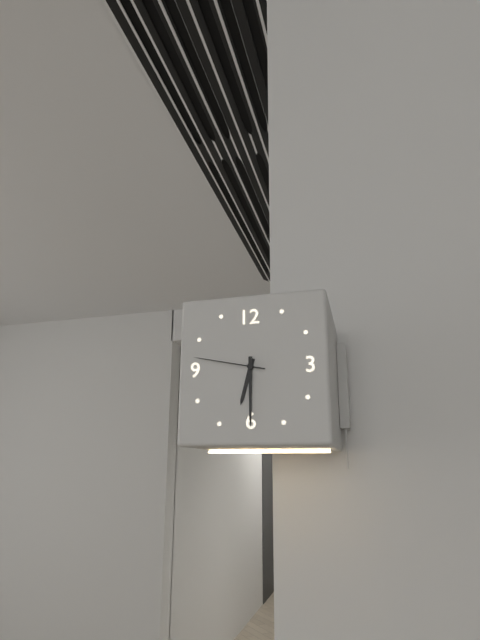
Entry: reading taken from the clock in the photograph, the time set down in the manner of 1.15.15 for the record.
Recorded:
6.30.47
